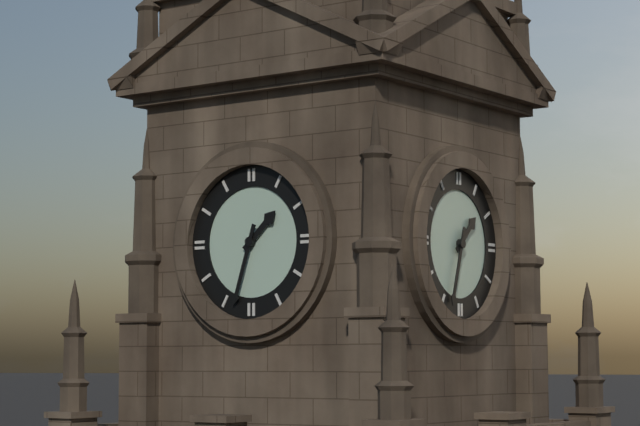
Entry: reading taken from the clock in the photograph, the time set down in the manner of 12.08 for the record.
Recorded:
1.33
